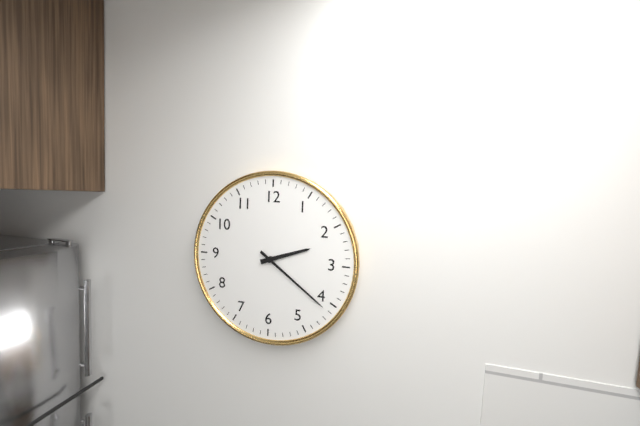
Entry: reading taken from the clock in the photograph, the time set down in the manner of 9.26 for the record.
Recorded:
2.21
